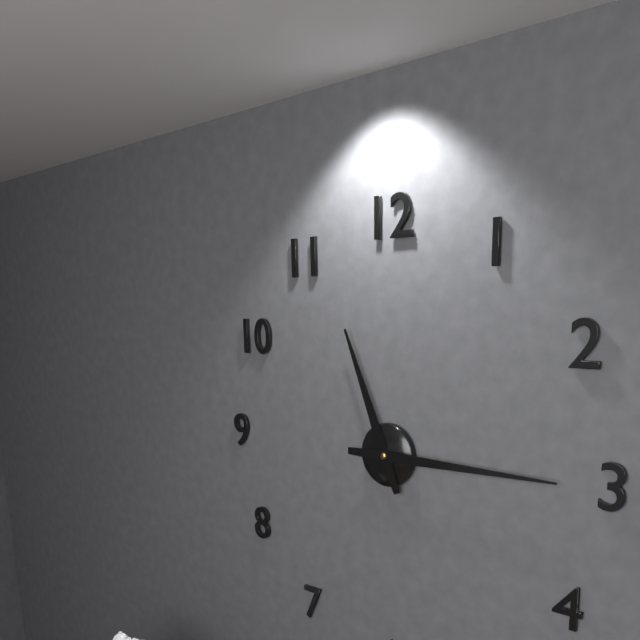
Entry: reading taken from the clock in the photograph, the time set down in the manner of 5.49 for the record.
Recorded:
11.15
